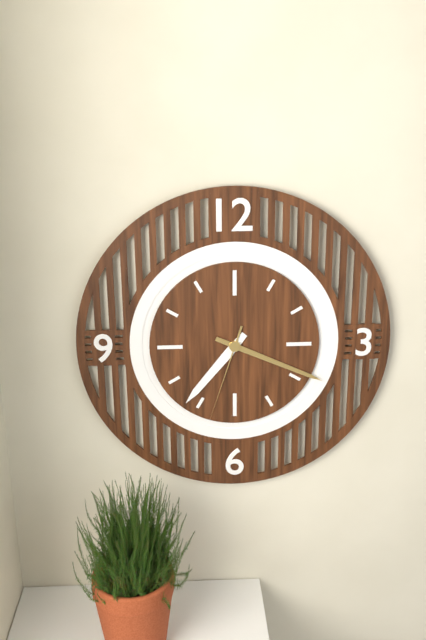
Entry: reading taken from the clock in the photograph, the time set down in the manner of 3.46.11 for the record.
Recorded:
7.19.33
